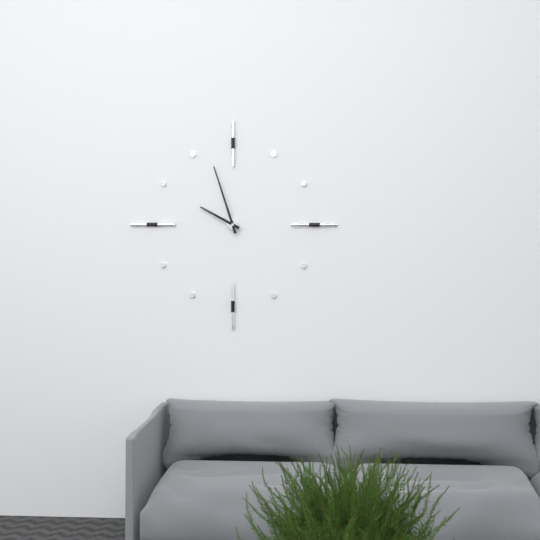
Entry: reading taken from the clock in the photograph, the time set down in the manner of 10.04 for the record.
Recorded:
9.57
